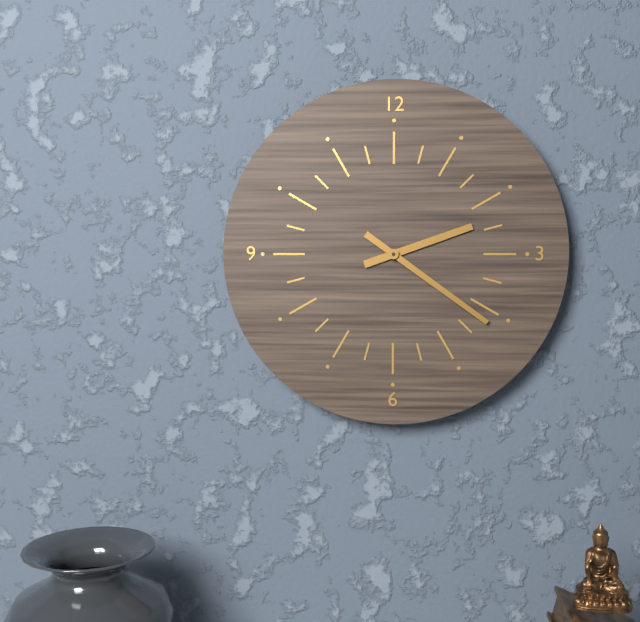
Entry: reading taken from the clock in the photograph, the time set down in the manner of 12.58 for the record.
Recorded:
2.21
